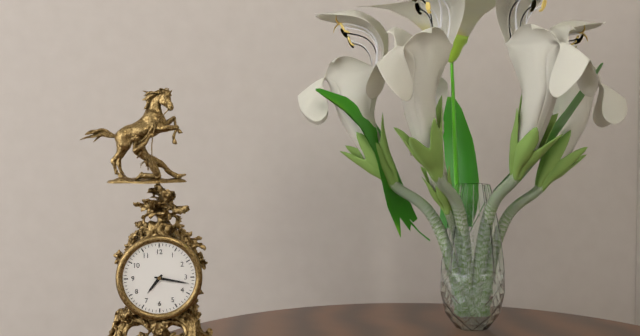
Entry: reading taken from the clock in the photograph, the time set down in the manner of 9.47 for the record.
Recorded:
7.17
